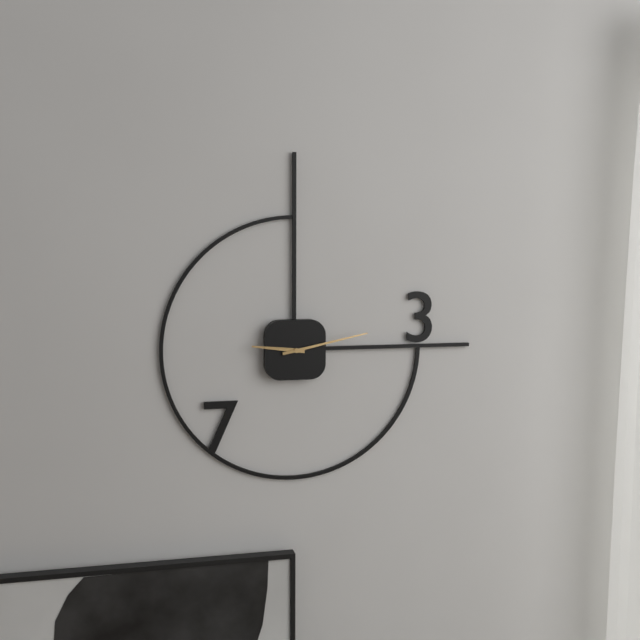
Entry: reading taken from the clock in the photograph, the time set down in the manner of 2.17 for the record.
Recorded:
9.13
